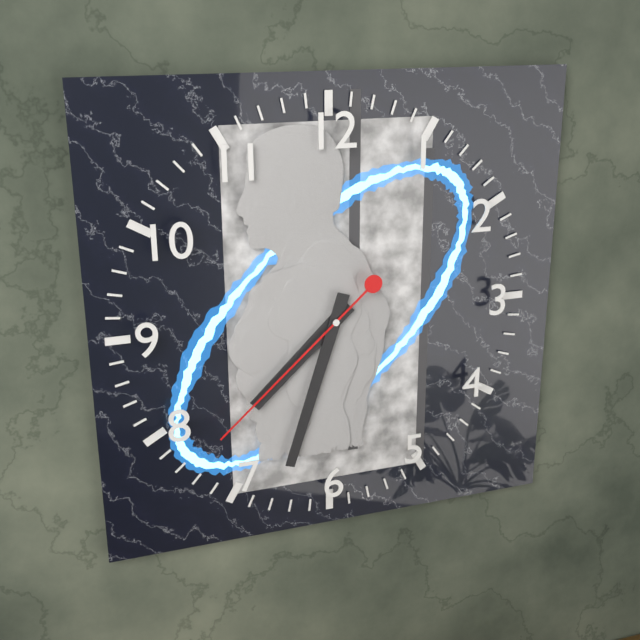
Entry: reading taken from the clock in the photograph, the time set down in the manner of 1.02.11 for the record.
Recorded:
7.33.38
